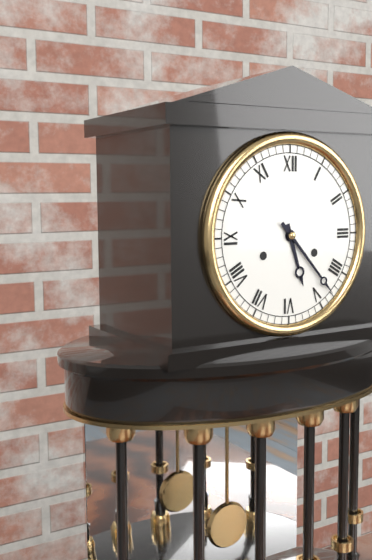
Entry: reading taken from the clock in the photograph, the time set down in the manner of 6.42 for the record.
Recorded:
5.23
